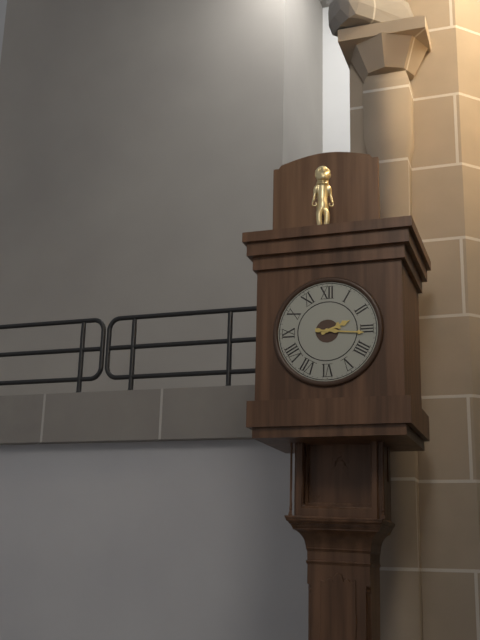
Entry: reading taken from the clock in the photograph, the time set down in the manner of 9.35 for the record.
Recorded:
2.16
